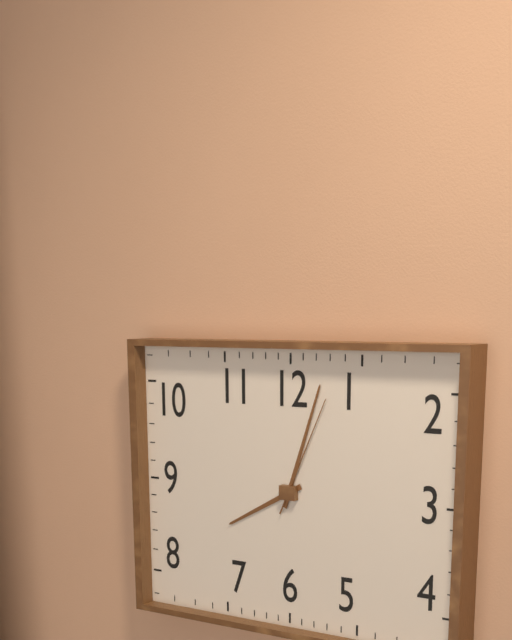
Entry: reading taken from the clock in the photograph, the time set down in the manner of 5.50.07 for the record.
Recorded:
8.03.04
